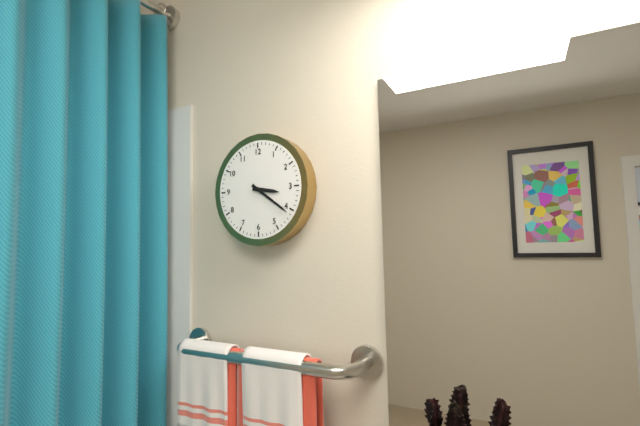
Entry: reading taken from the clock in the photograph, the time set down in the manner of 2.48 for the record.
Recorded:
3.21
